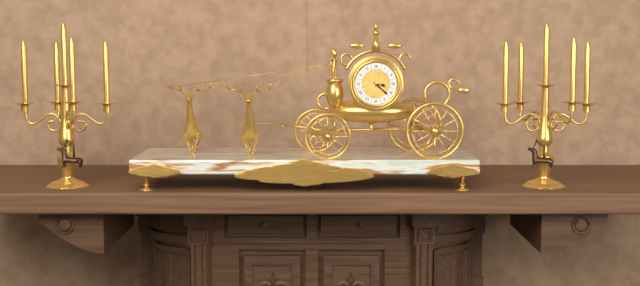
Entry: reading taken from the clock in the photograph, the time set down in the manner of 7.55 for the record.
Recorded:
3.22
